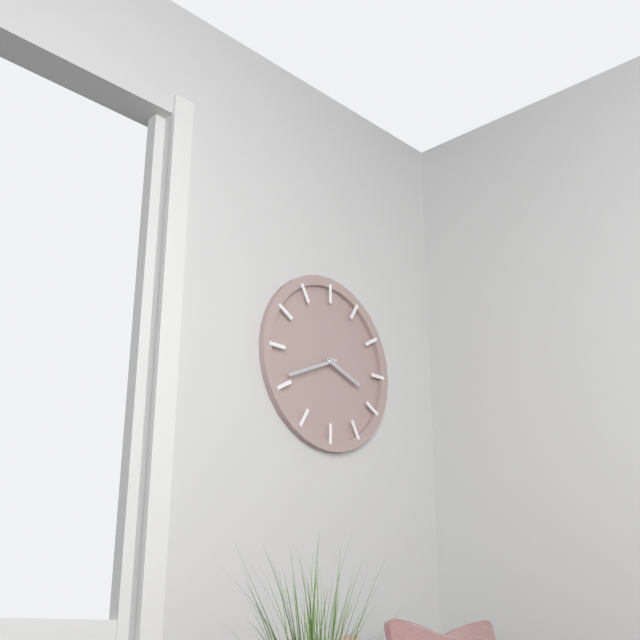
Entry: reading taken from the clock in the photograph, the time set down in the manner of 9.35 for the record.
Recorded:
3.41
